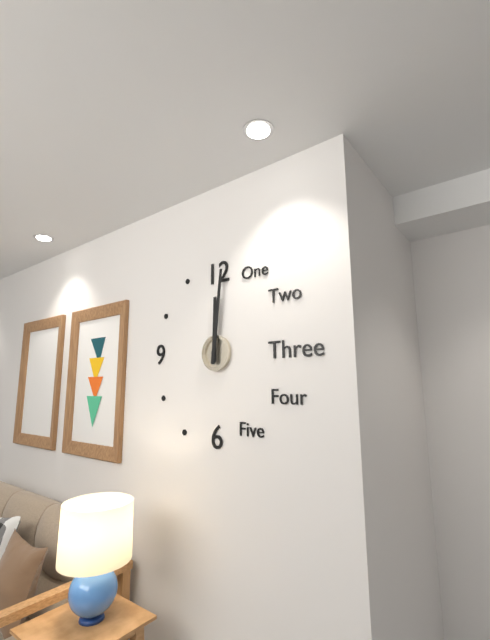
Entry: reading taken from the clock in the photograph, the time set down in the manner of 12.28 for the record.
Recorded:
12.01
